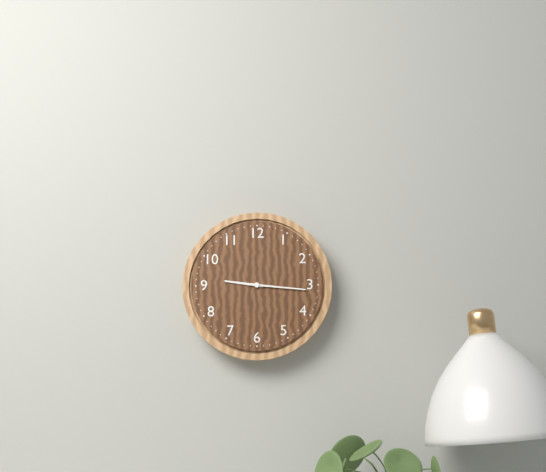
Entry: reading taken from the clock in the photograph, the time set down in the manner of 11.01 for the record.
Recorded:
9.16
